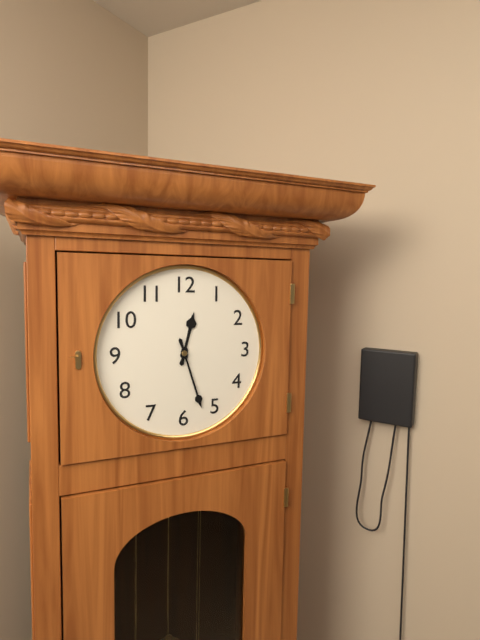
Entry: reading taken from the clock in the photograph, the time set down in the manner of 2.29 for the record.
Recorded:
12.27
